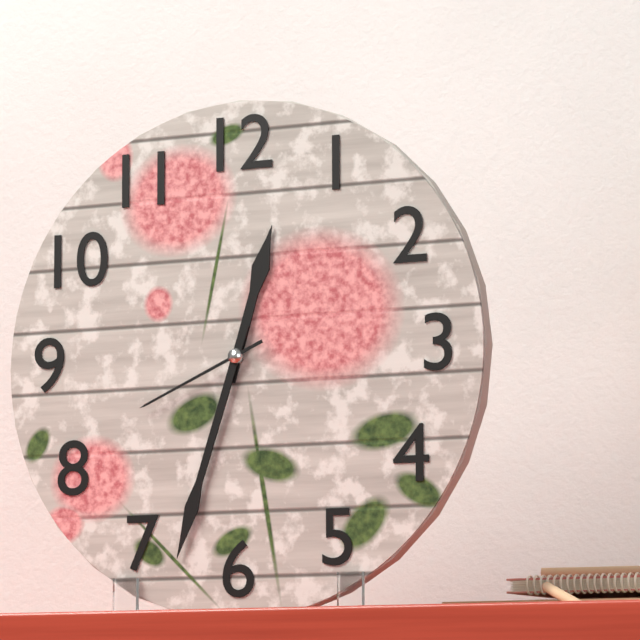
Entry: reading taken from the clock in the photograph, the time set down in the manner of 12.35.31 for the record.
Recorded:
12.33.41
